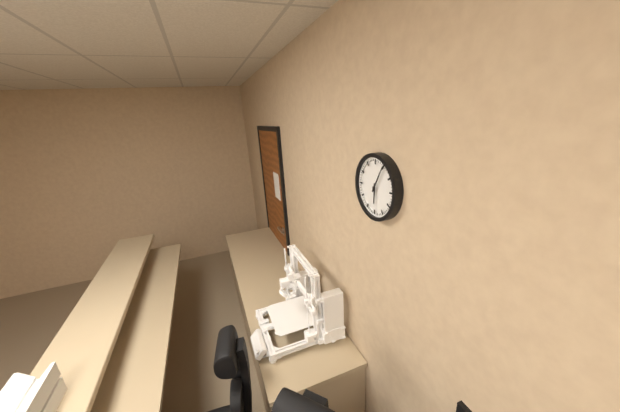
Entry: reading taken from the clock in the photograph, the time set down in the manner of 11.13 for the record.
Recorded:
6.05
